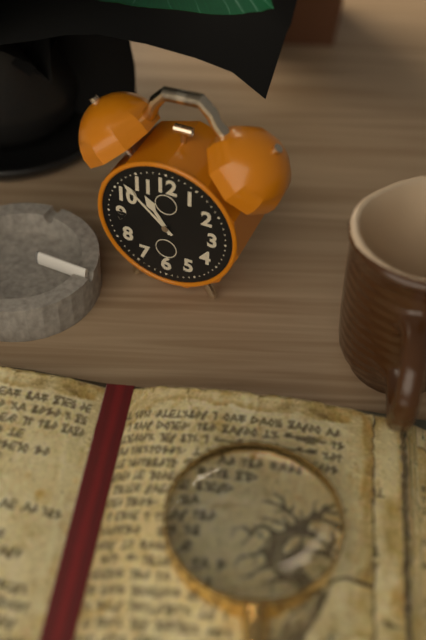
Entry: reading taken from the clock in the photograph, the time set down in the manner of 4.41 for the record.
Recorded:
10.52
